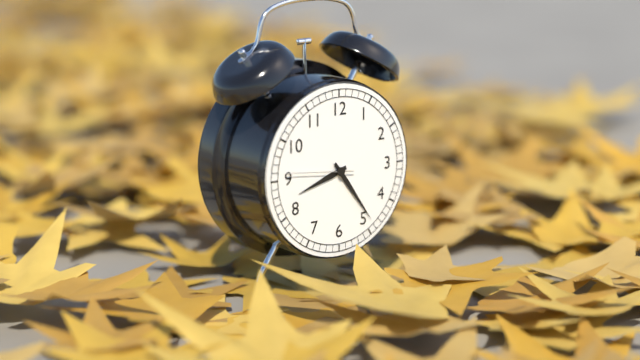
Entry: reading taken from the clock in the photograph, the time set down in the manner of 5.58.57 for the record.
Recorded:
8.24.46
